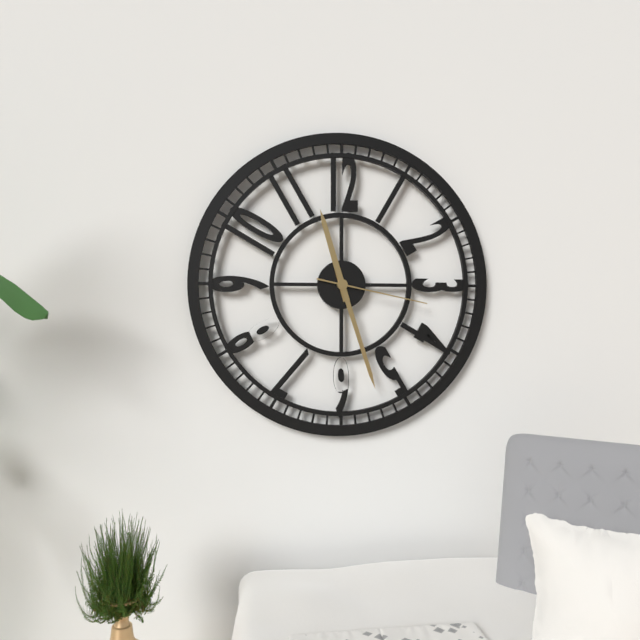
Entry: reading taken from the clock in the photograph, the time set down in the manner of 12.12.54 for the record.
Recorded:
11.27.17
